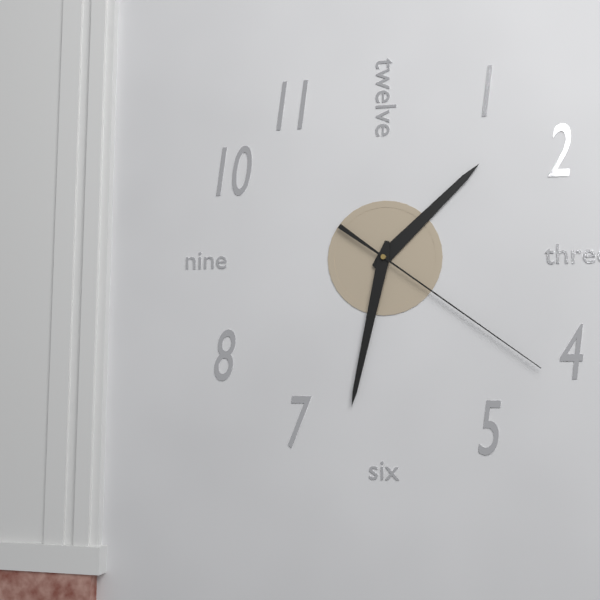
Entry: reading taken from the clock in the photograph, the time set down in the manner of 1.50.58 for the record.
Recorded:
1.32.21
